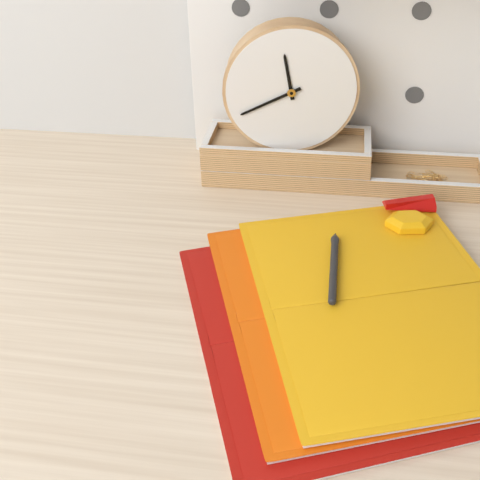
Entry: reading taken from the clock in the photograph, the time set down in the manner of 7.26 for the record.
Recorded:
11.41
